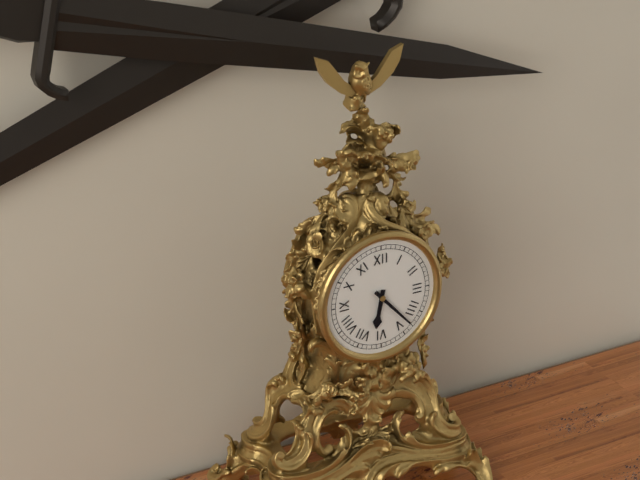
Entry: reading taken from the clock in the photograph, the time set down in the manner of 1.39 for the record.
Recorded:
6.23
